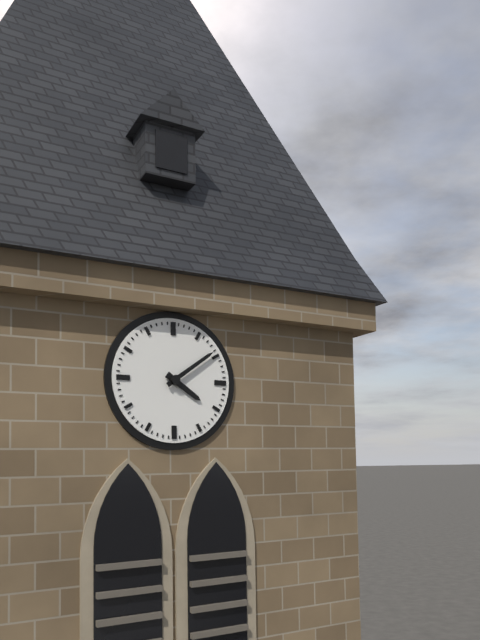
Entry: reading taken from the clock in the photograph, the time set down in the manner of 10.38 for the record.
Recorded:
4.09
